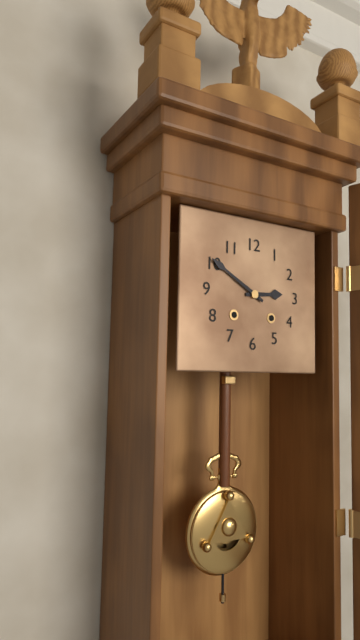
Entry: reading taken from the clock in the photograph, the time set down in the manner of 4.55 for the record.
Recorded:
2.50
